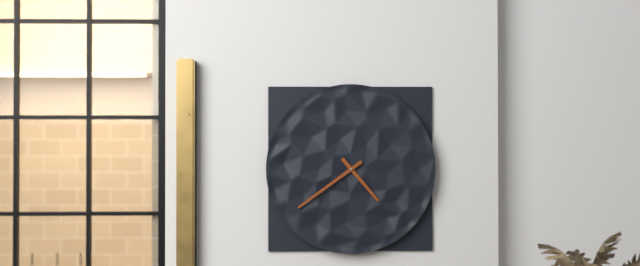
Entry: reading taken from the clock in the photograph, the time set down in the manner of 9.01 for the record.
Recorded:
4.39
